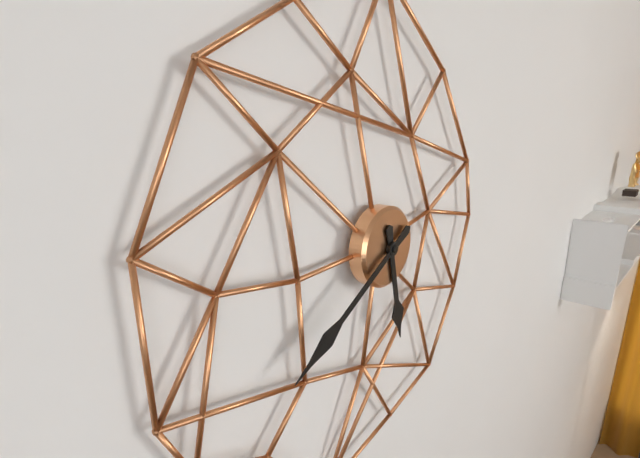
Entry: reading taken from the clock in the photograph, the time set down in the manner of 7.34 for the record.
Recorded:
5.40
